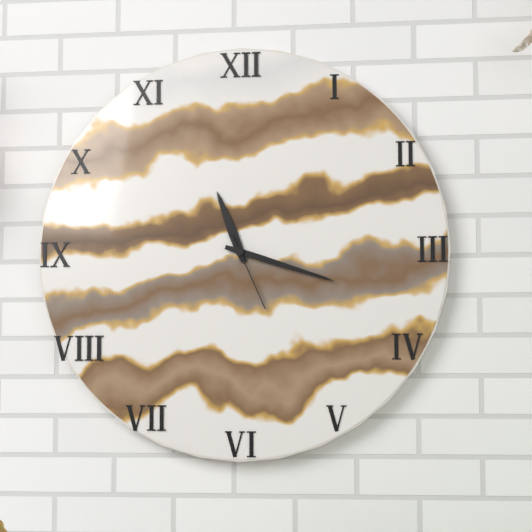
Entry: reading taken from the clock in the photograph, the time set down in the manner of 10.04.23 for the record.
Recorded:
11.18.26
